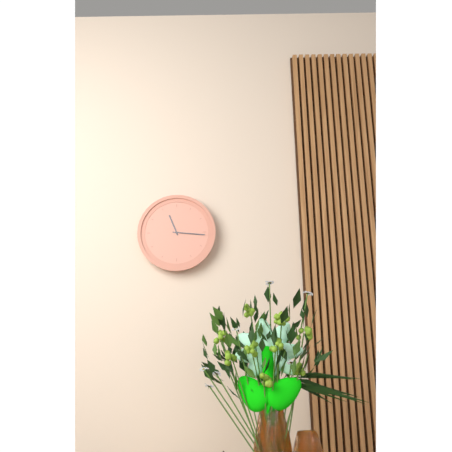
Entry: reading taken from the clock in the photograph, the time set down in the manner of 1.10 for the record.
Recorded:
11.16
